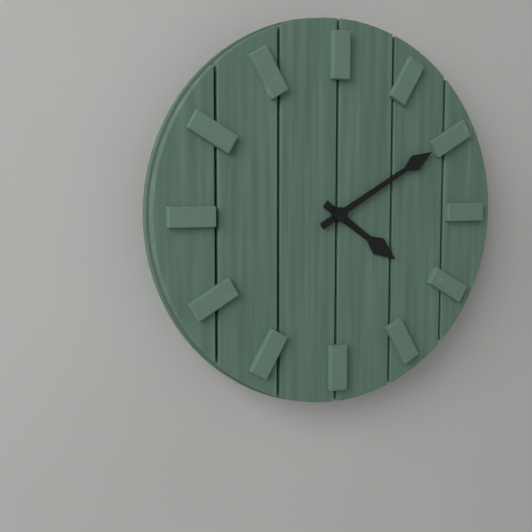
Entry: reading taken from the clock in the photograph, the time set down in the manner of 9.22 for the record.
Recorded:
4.10
